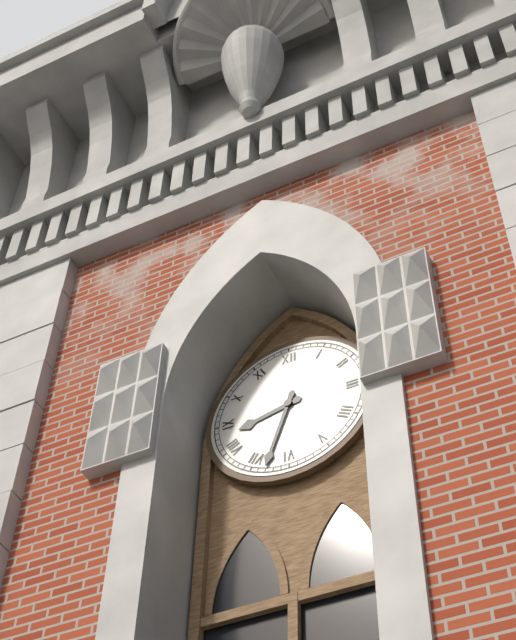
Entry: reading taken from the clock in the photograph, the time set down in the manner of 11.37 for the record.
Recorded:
8.33
